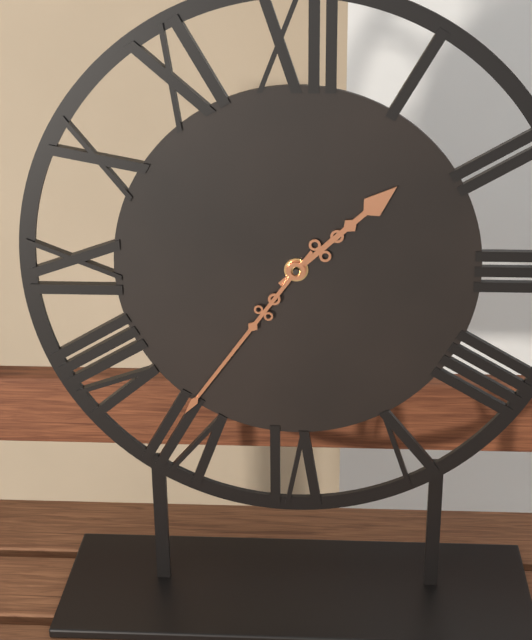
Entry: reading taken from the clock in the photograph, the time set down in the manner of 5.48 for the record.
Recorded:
1.36
